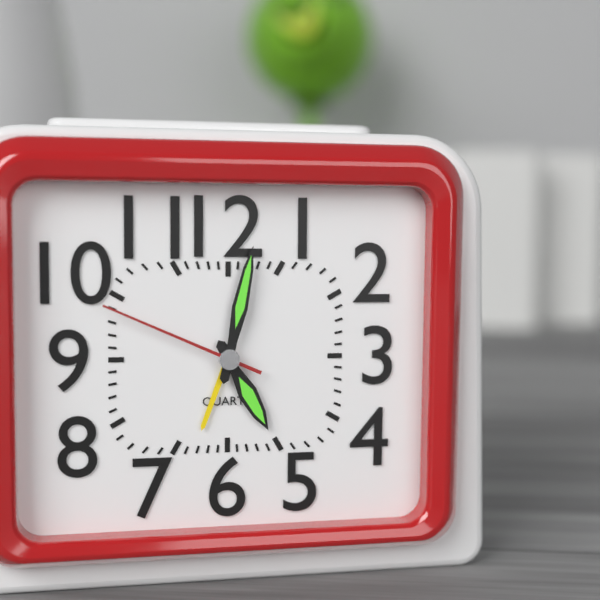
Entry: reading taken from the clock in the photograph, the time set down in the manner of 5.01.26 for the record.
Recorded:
5.02.49
